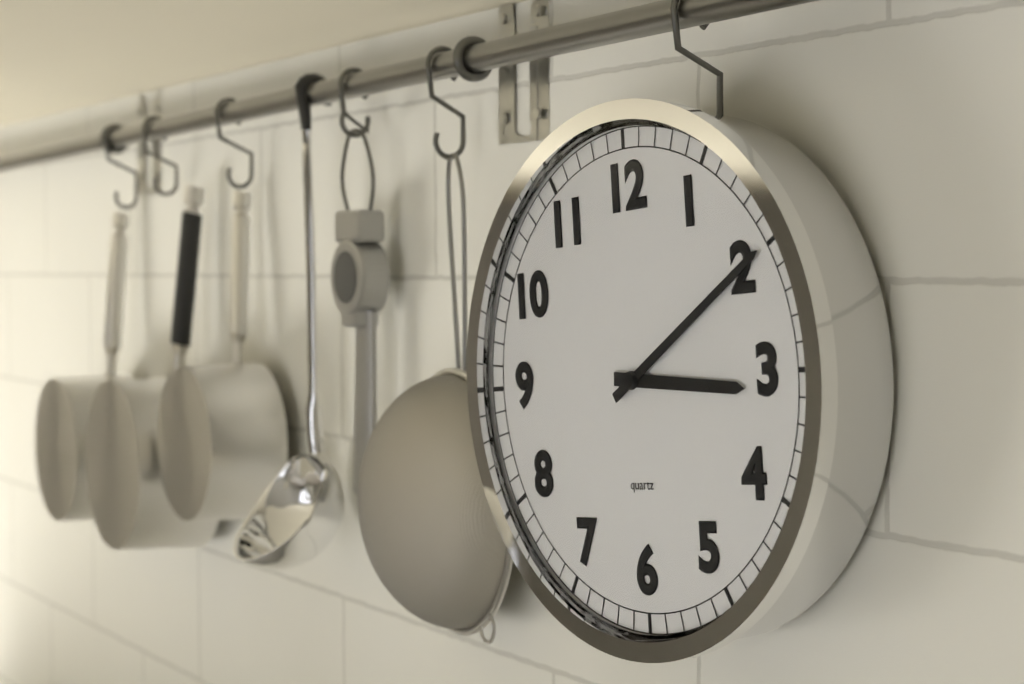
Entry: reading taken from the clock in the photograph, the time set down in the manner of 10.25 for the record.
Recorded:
3.10
